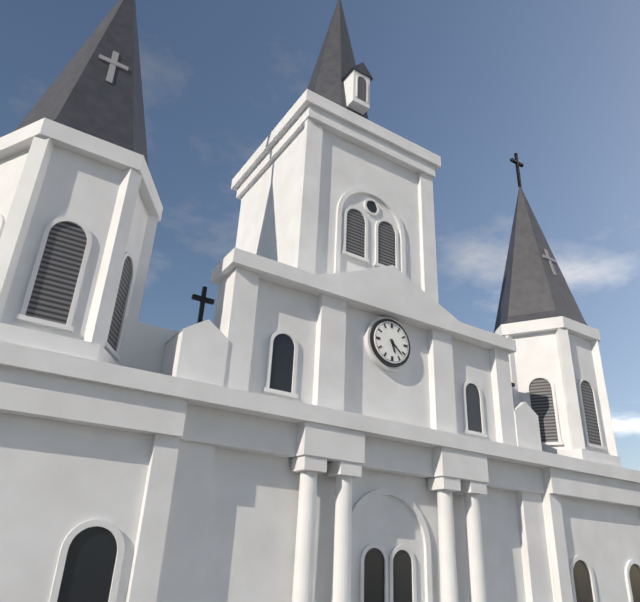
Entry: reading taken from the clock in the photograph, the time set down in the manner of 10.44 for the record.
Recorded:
5.22
